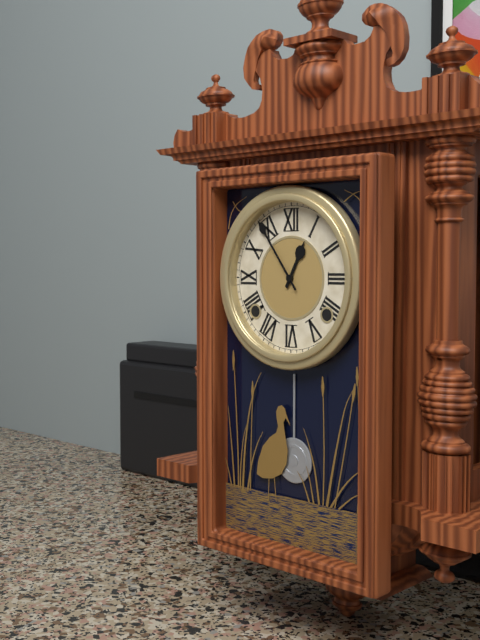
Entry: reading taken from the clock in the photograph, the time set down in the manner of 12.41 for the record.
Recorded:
12.54
